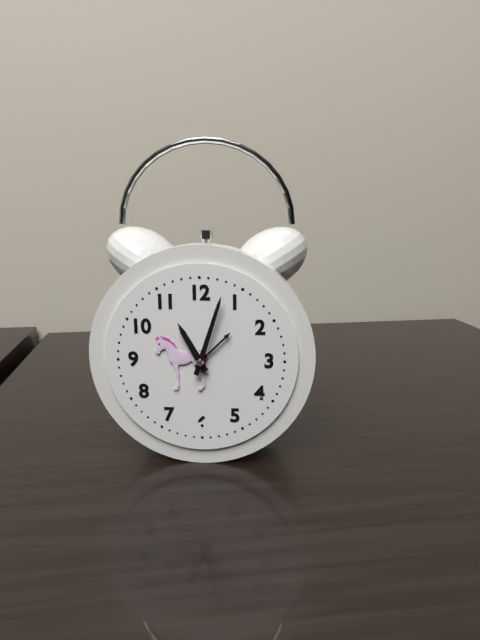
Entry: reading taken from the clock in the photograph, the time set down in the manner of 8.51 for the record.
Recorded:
11.03
